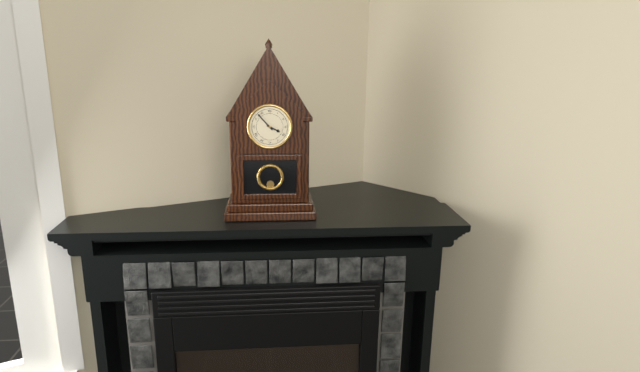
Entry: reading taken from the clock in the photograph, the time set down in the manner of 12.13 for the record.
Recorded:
3.53
